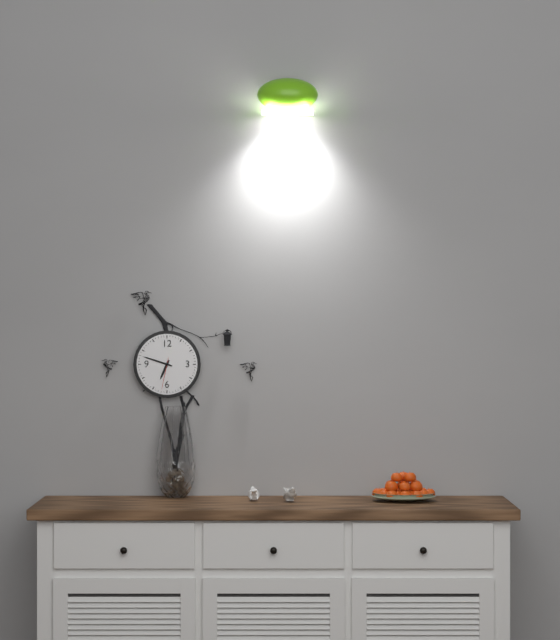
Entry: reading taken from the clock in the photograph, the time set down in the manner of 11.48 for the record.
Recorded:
6.48
